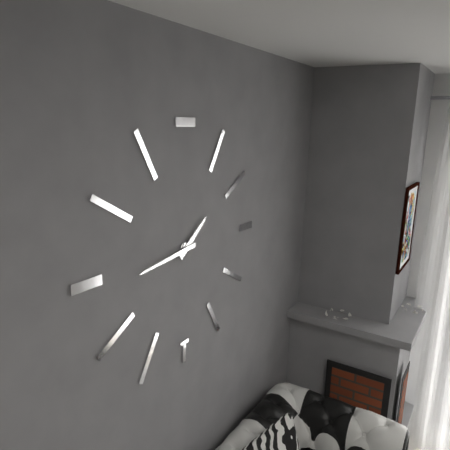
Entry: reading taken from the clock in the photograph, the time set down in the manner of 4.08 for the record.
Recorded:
1.44
